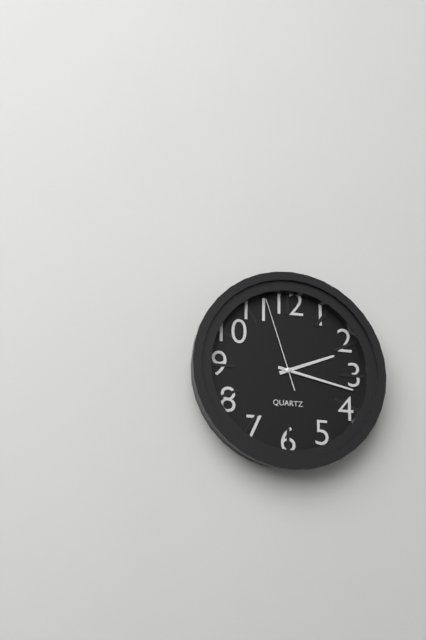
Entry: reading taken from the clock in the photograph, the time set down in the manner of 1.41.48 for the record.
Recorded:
2.17.57
